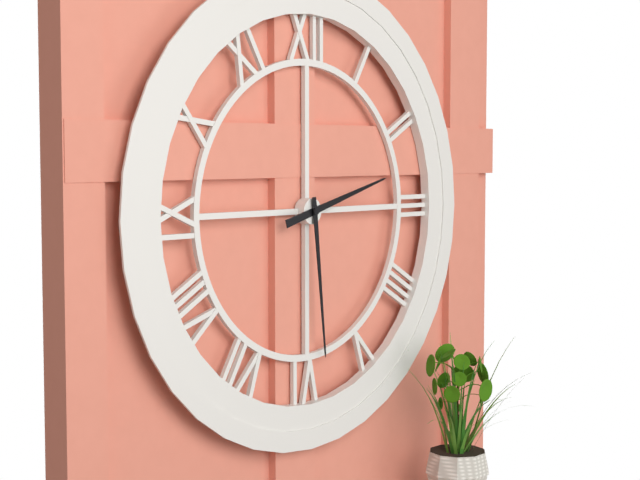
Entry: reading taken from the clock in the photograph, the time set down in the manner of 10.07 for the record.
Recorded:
2.29
